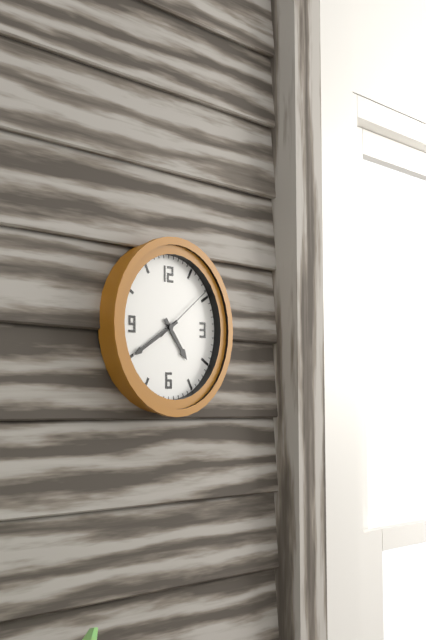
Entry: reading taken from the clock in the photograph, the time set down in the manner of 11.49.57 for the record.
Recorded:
4.40.09
